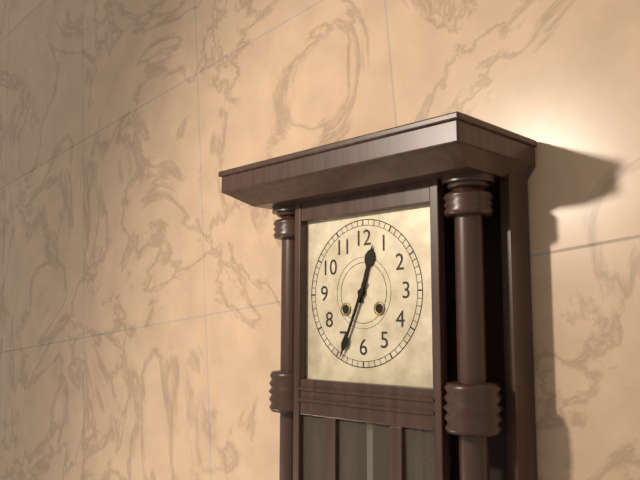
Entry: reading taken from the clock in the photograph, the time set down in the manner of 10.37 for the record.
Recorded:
12.34
